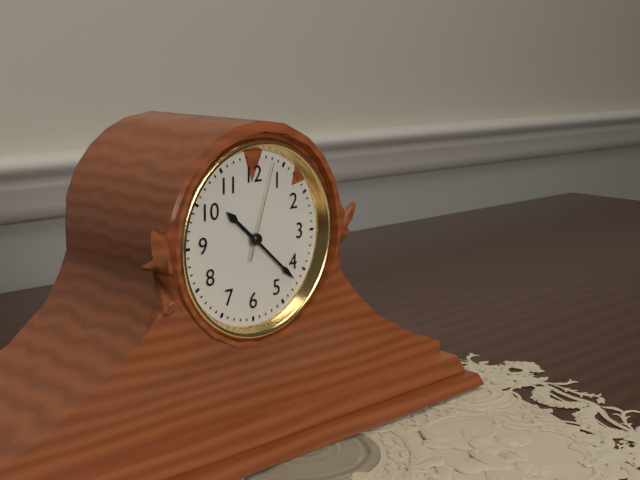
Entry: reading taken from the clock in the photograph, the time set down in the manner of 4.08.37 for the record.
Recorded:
10.22.03
